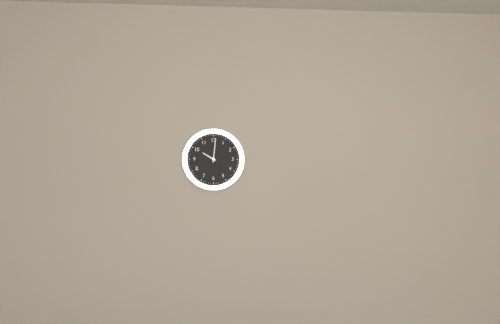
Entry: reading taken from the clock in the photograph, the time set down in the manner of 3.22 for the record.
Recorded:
10.01
